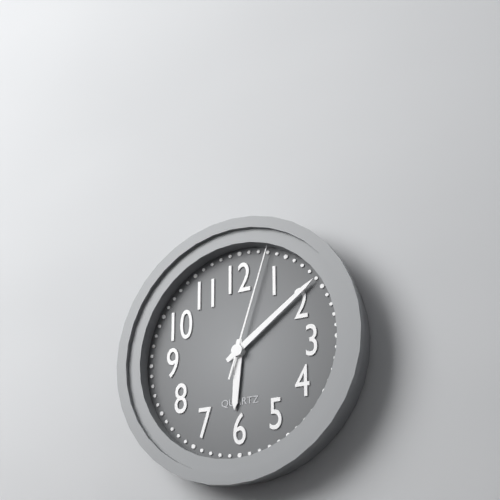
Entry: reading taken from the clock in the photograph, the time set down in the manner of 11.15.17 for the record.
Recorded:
6.09.03
